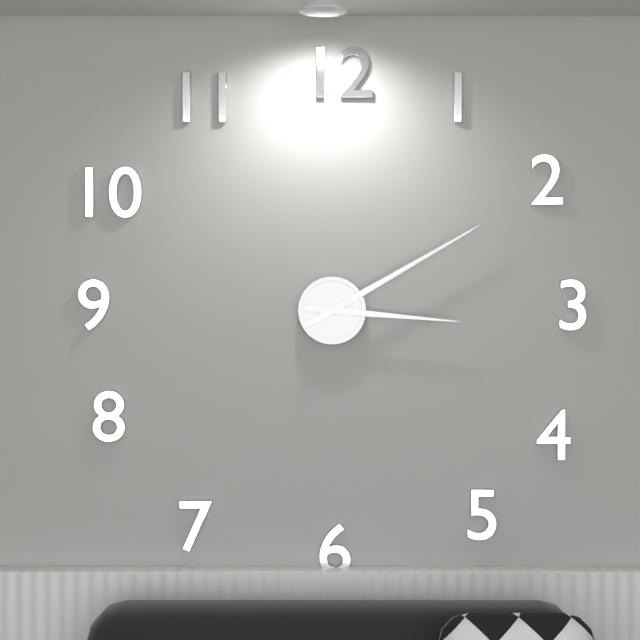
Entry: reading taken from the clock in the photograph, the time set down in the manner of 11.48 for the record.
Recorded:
3.10
